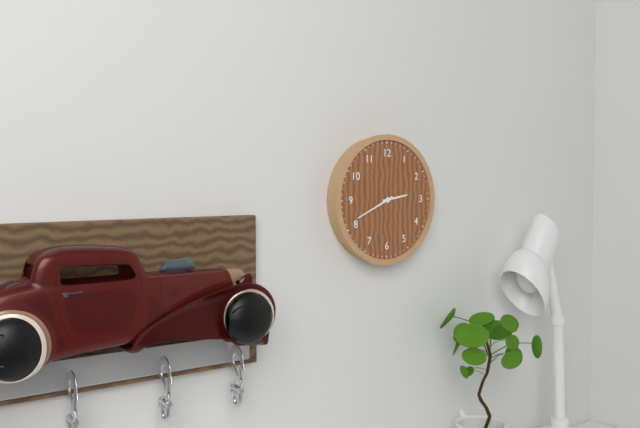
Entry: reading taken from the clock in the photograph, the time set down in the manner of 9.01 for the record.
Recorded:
2.41
